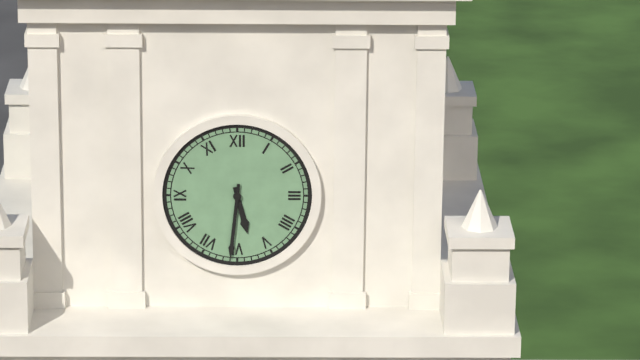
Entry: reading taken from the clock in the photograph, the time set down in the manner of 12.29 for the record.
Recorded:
5.31
